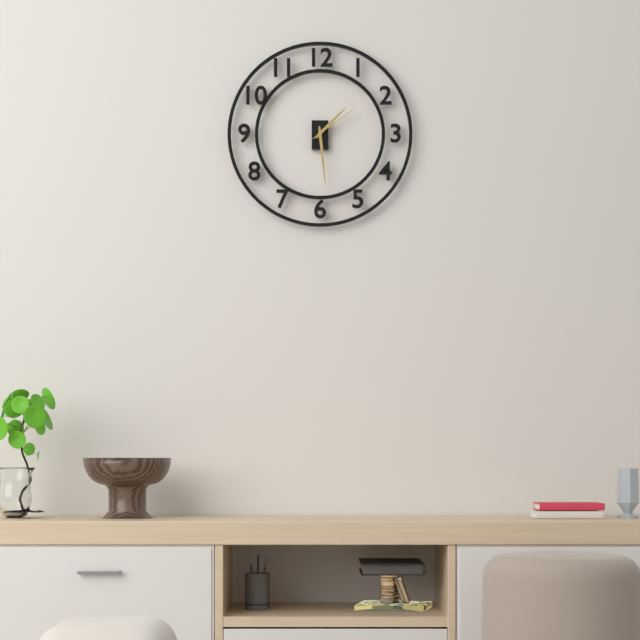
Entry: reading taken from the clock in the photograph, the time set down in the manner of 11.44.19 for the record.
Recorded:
1.29.09
